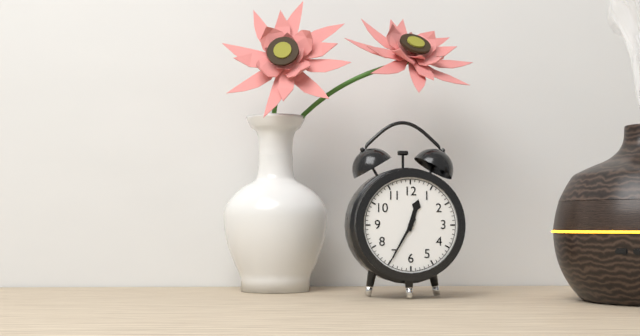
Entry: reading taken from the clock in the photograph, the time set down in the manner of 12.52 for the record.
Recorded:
12.35
